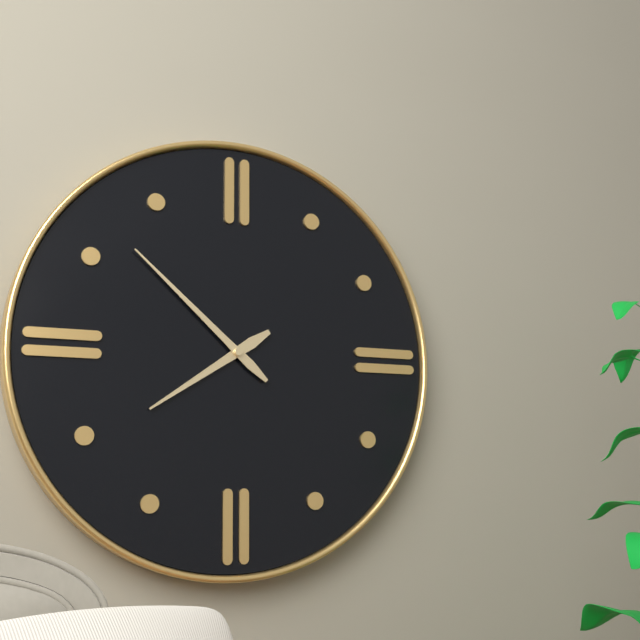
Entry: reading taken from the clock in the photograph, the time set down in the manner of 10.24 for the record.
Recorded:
7.52
